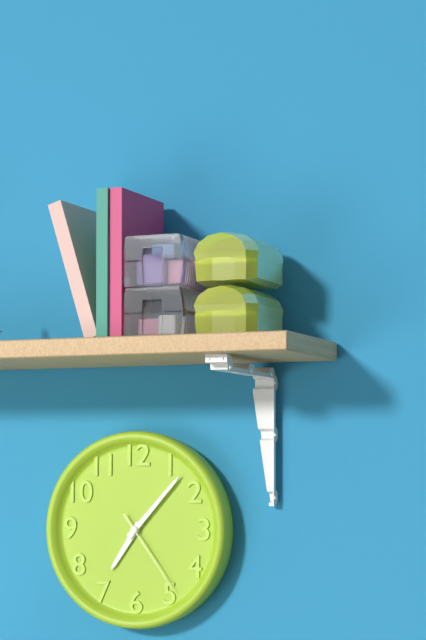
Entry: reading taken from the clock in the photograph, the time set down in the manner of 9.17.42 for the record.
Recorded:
7.07.24
